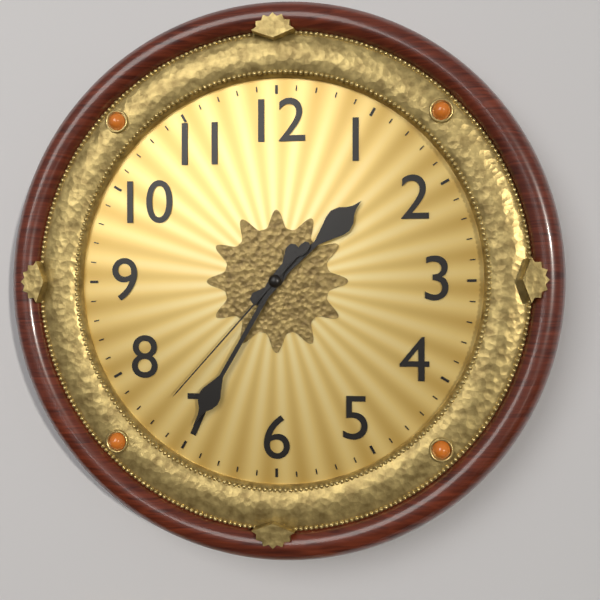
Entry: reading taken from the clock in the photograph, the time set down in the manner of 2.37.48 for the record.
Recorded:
1.35.37
